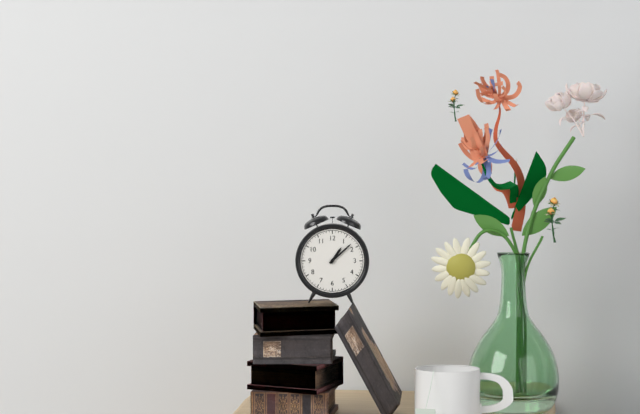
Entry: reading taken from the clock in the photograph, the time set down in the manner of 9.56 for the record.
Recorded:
1.08
